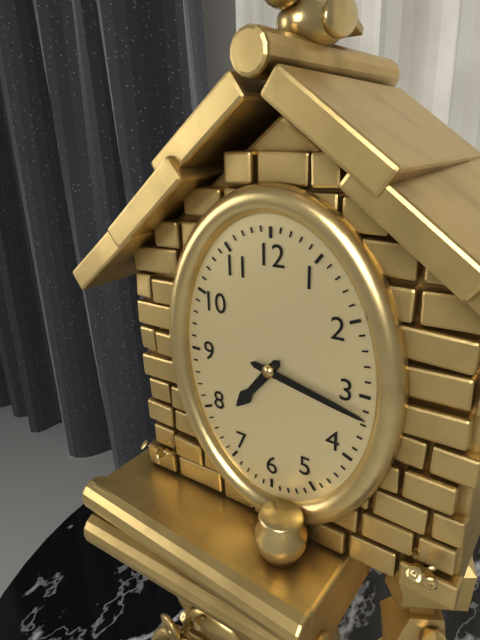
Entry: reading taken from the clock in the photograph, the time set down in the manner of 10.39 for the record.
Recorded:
7.17
